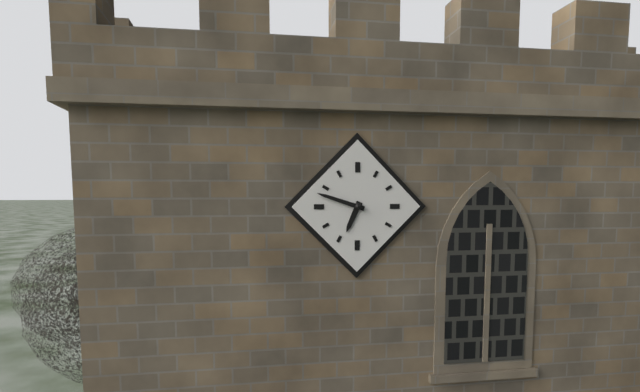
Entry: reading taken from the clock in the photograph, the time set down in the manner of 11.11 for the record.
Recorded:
6.48
